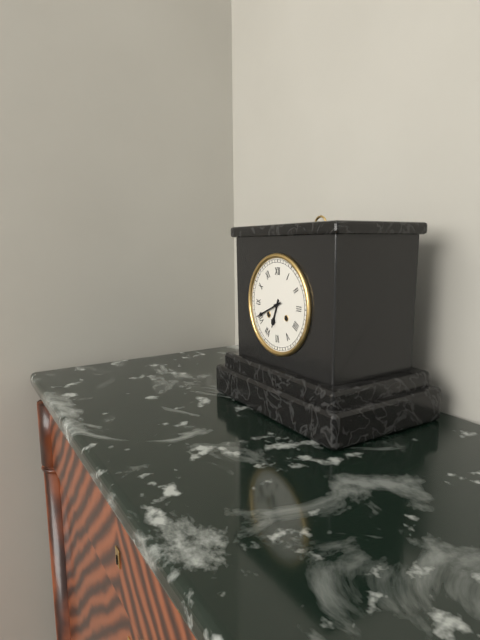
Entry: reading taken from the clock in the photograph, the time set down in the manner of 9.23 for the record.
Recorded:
6.41
